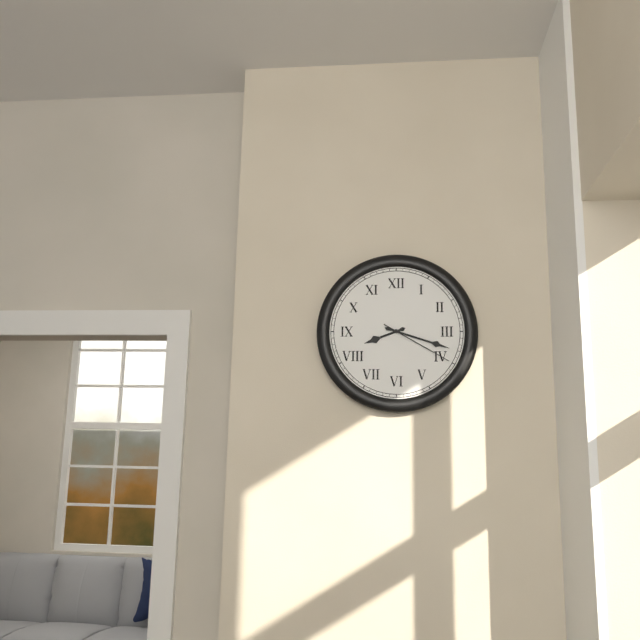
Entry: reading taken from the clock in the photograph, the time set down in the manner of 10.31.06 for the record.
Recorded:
8.18.20
